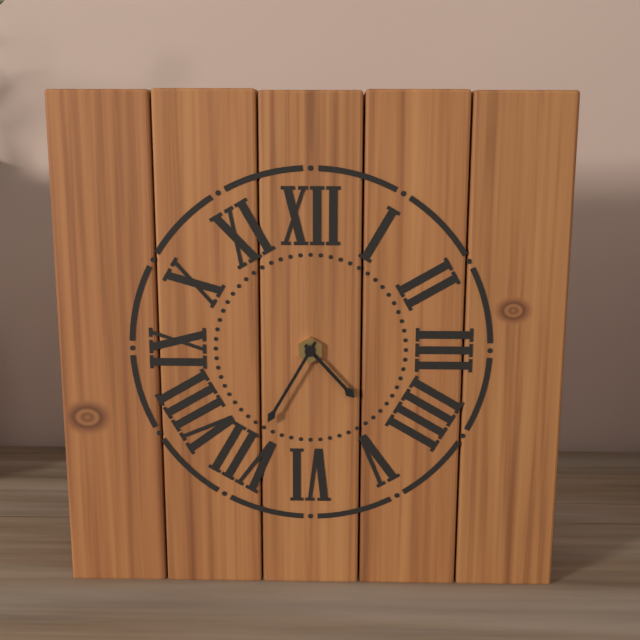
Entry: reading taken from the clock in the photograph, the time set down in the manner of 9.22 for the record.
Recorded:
4.35
